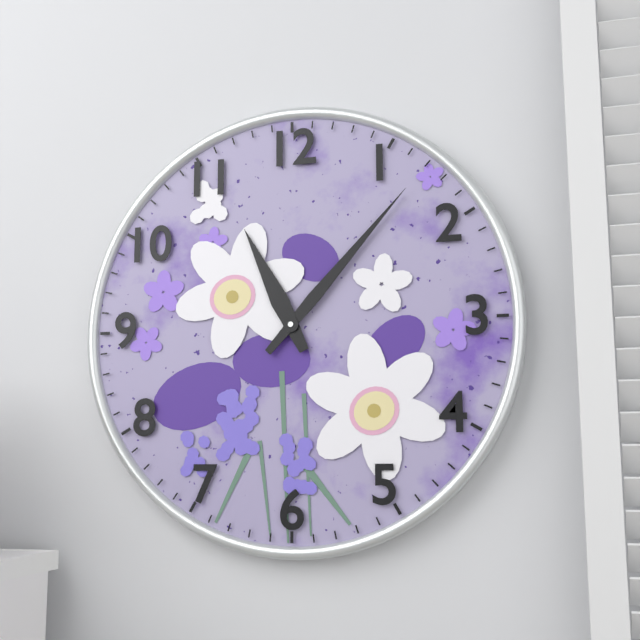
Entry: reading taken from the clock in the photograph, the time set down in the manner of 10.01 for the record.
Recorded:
11.07
